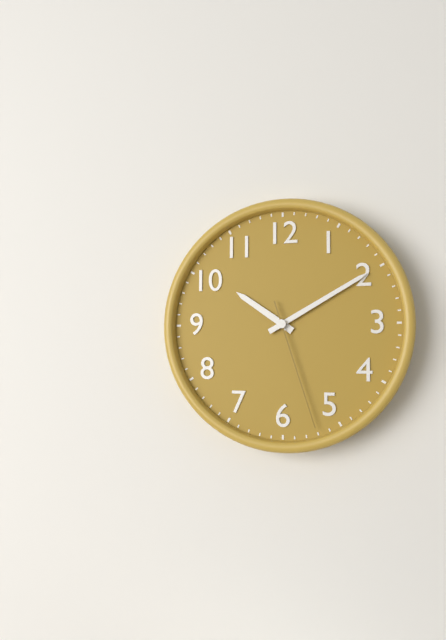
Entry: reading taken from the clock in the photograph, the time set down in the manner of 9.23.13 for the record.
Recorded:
10.10.27
